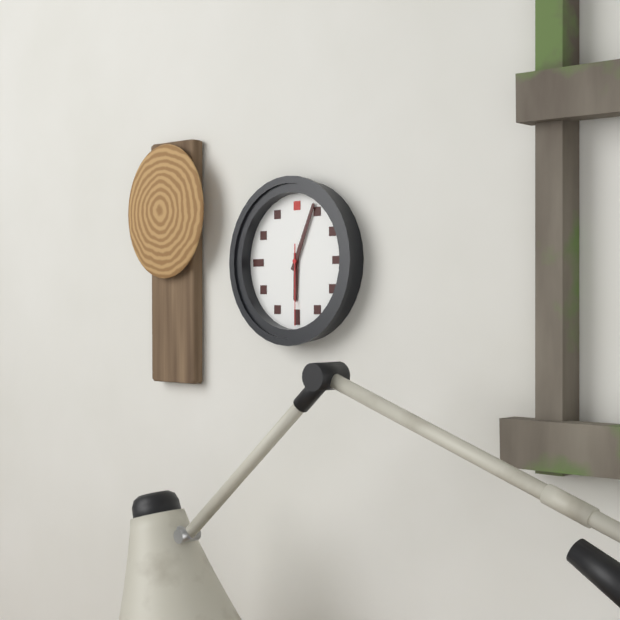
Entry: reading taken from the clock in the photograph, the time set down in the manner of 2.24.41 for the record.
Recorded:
6.04.30
